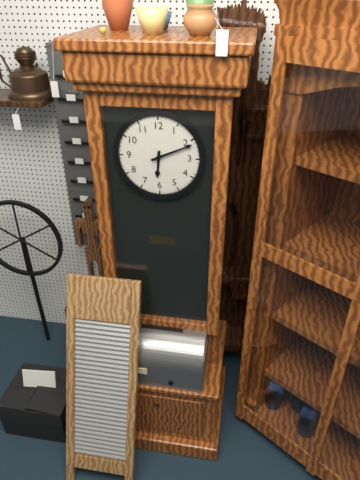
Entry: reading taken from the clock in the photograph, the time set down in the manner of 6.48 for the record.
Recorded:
6.11
